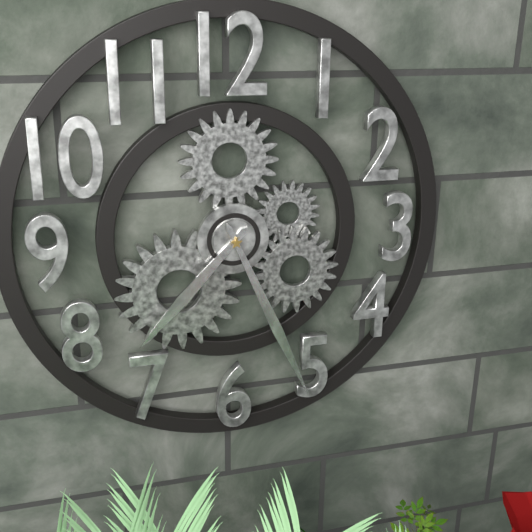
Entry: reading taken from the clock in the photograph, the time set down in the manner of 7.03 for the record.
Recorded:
7.26
